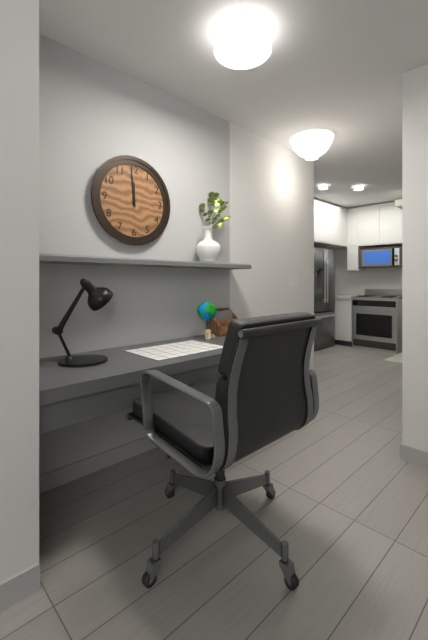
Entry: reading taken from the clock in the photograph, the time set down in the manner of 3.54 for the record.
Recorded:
11.59
